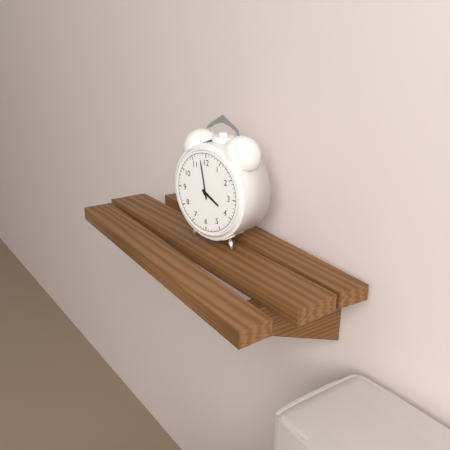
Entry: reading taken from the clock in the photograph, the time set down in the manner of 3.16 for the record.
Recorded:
3.58
